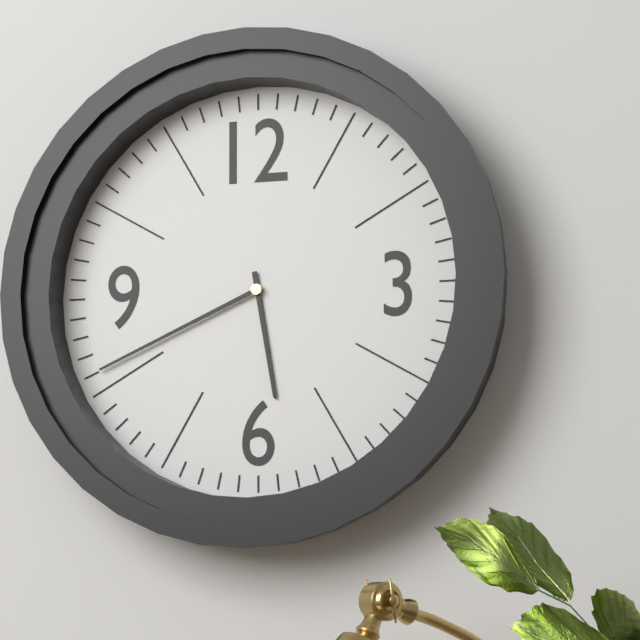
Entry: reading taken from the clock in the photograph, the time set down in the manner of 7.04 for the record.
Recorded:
5.41
